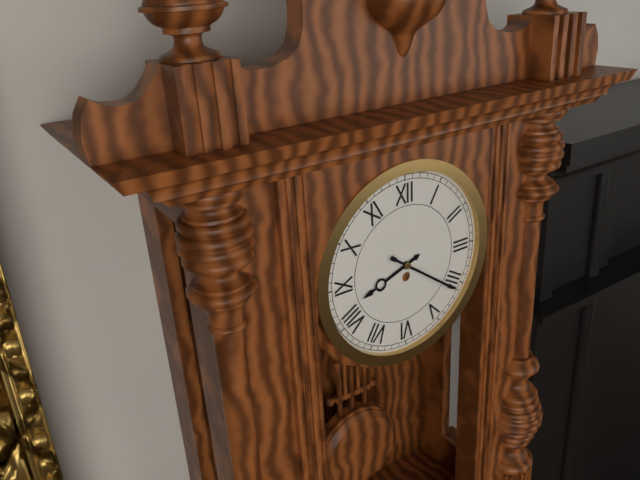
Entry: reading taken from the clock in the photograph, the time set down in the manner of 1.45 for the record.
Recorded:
8.21
